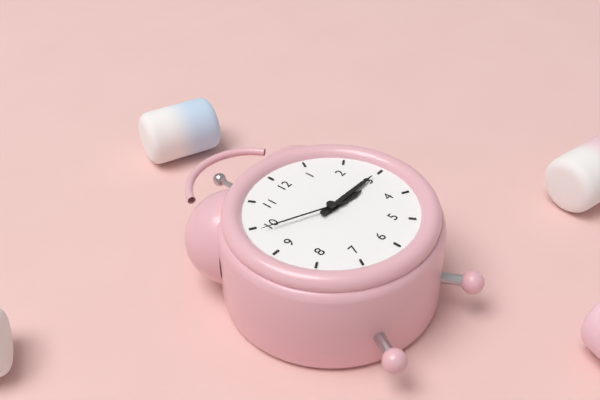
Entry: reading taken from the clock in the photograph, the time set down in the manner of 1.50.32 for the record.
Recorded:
3.15.49
